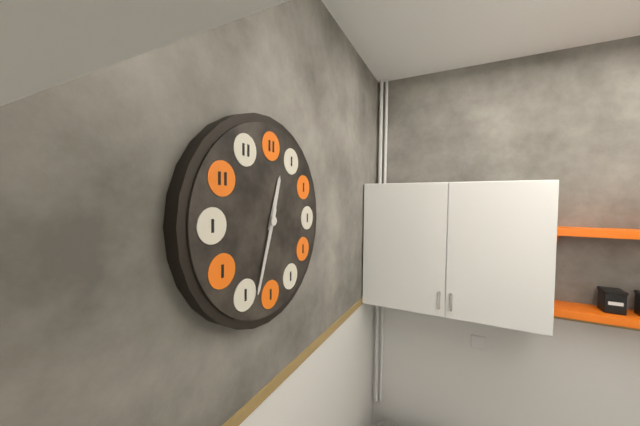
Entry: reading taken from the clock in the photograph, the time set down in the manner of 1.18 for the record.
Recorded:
12.33
